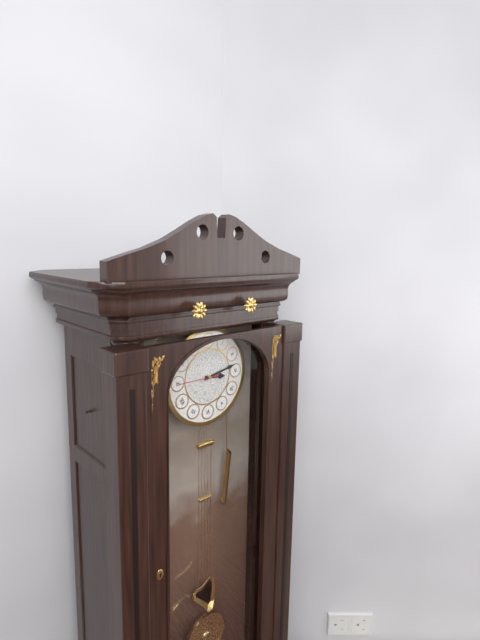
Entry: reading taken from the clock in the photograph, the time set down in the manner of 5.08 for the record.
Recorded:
3.13
